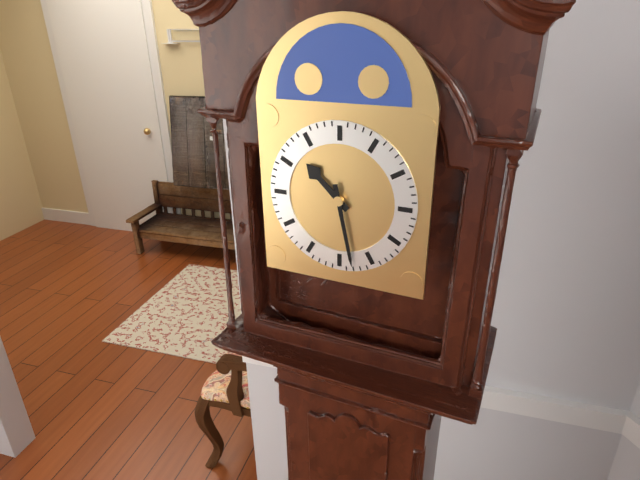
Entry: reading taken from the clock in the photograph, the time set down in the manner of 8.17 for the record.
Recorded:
10.28
